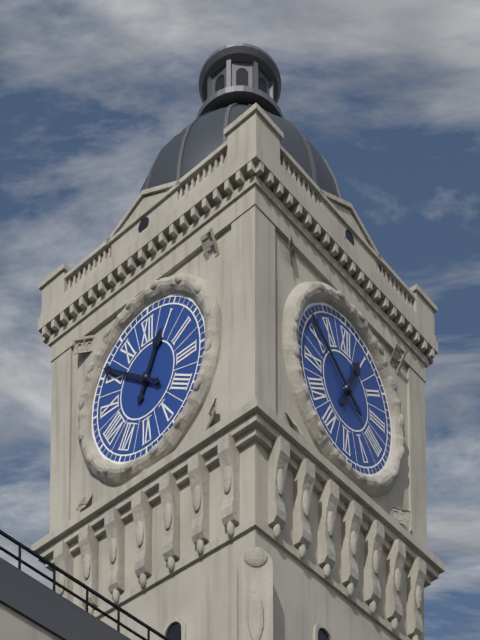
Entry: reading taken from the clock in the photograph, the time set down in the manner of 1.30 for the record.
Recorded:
12.51
